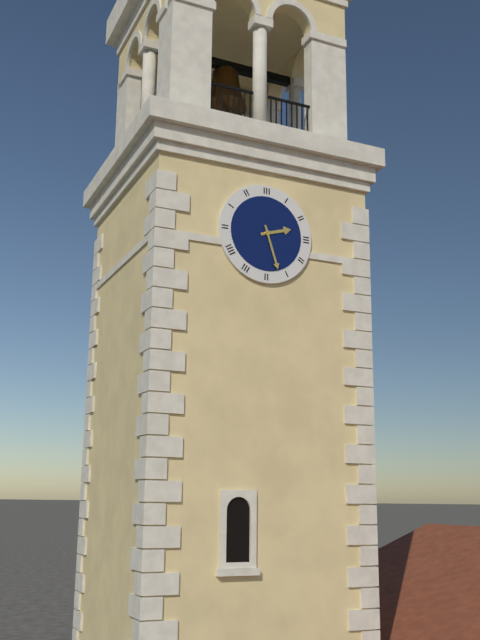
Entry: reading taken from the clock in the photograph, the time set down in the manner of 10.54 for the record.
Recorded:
2.27
